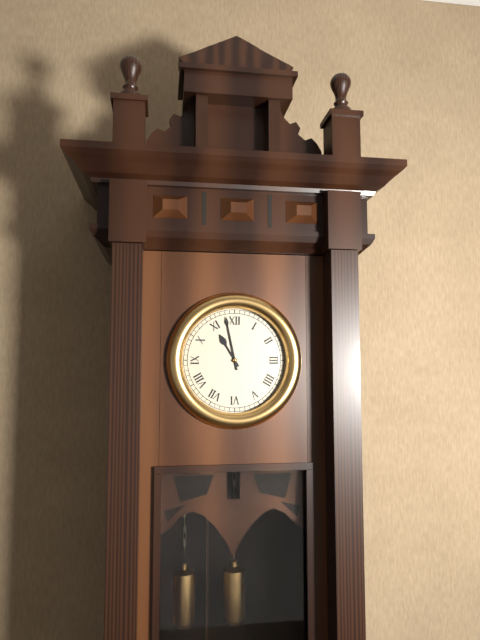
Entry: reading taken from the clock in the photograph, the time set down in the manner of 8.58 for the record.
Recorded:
10.58
